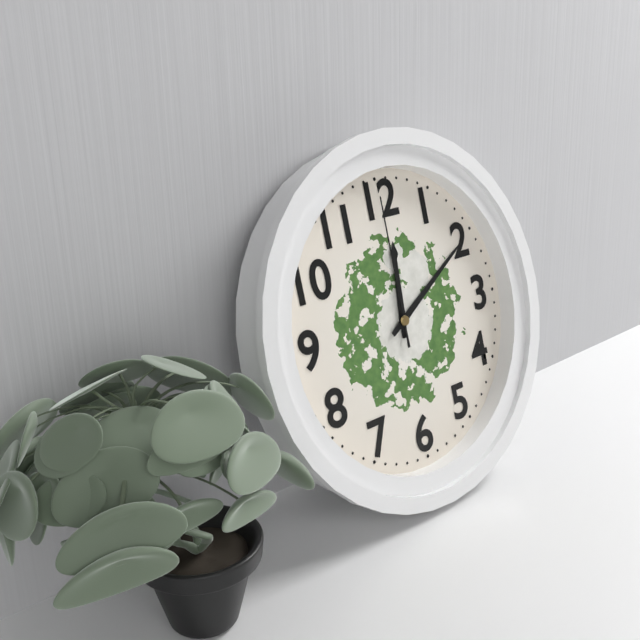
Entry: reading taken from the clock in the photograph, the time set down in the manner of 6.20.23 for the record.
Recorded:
12.10.00
